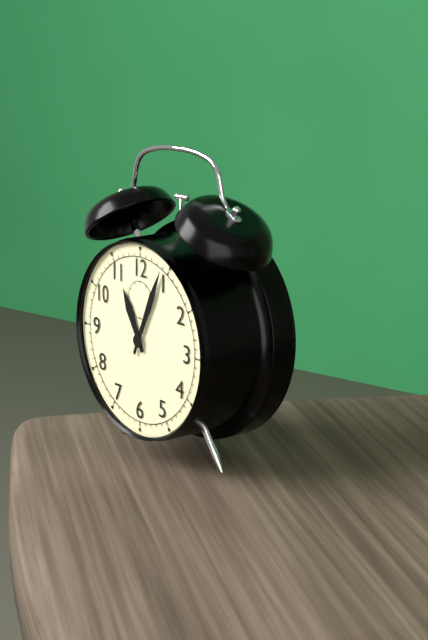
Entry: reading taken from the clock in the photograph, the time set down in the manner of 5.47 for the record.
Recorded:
11.04
